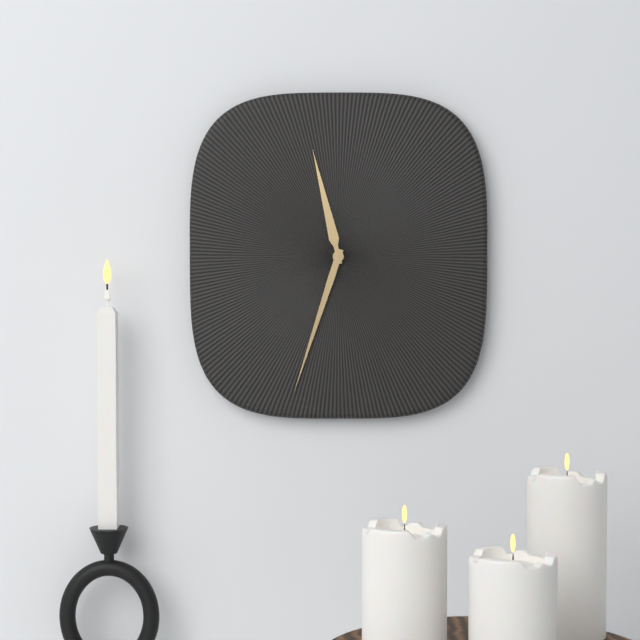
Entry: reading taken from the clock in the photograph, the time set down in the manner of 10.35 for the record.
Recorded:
11.33
